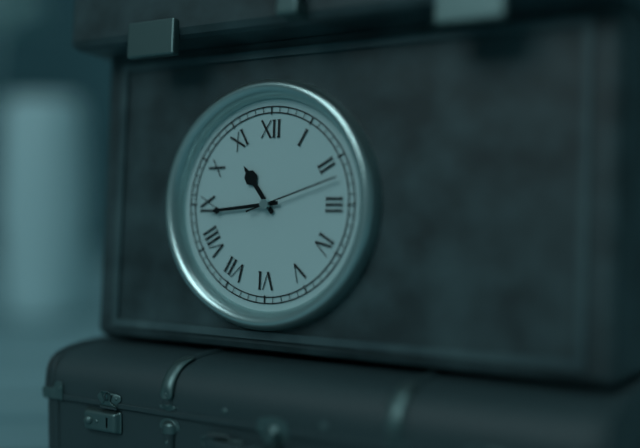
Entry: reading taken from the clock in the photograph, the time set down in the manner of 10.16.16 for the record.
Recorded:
10.44.12
